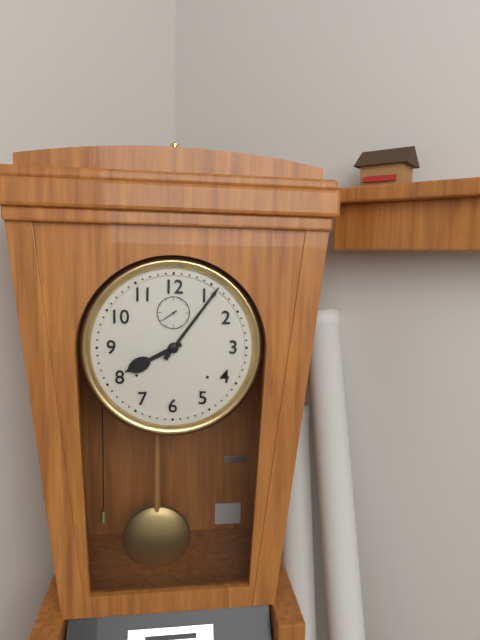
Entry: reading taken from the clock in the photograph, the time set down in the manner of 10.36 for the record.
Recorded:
8.06
